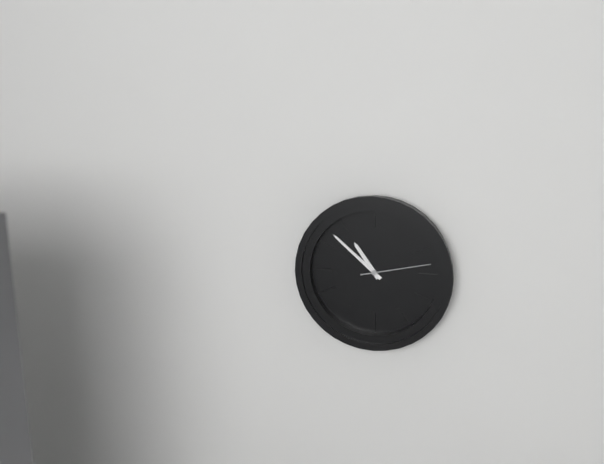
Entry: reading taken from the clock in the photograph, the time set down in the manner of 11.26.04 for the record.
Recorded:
10.52.13
